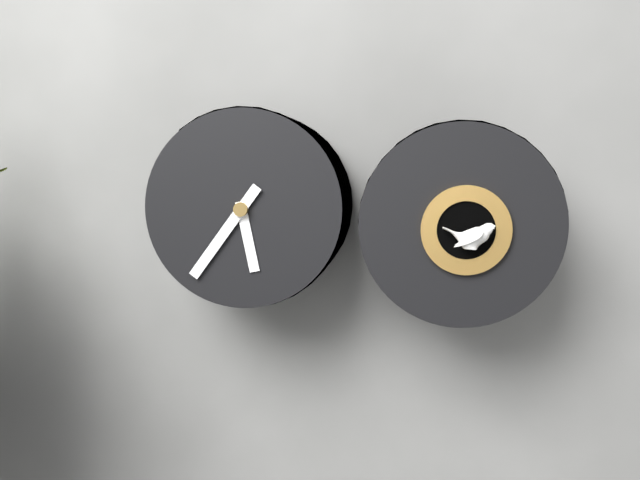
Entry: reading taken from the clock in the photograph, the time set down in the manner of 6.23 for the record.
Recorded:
5.36
